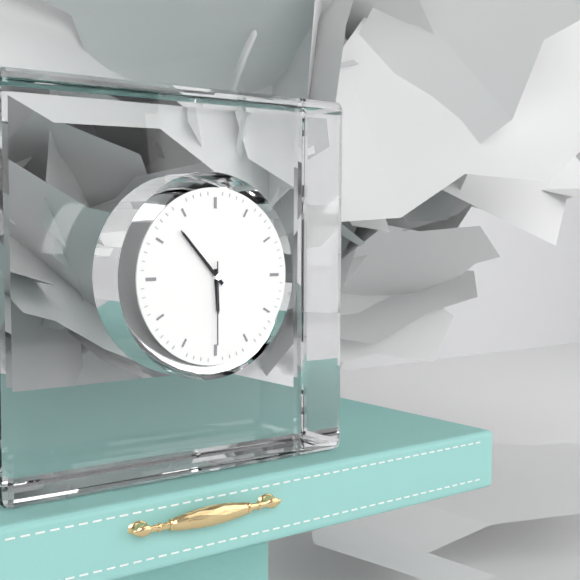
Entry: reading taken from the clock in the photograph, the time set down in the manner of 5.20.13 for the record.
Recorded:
5.53.30
